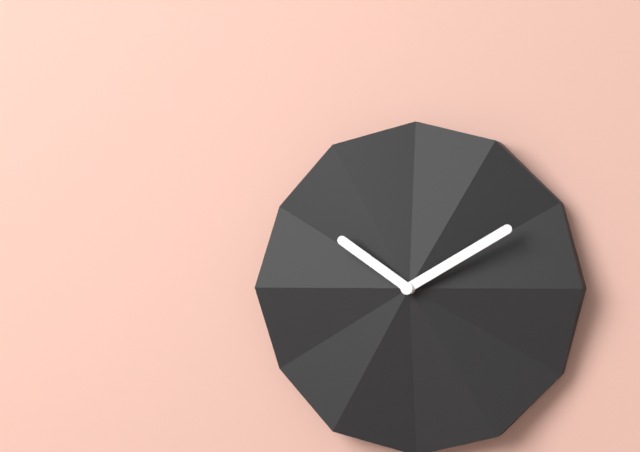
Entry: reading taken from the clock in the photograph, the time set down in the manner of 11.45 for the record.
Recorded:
10.10
